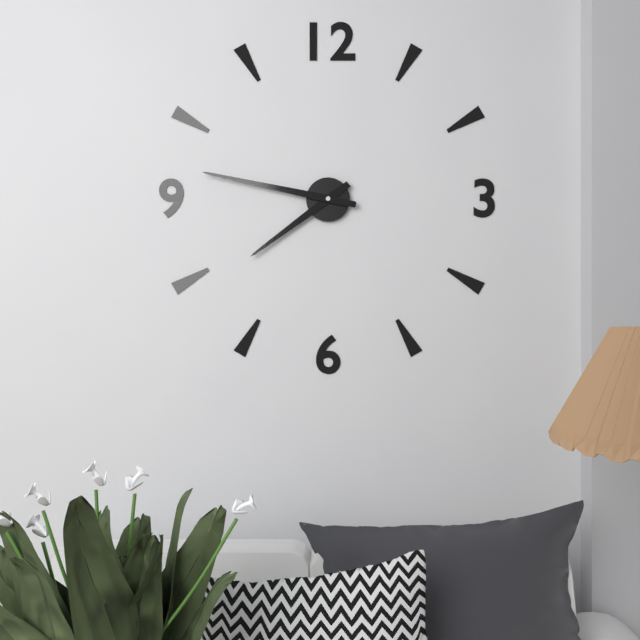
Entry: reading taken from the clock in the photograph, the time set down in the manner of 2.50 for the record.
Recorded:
7.47
